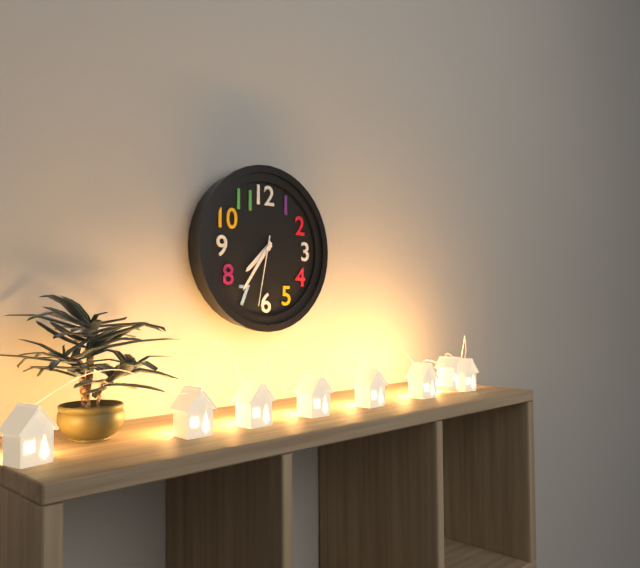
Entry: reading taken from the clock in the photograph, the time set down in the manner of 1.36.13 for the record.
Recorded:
7.36.32
